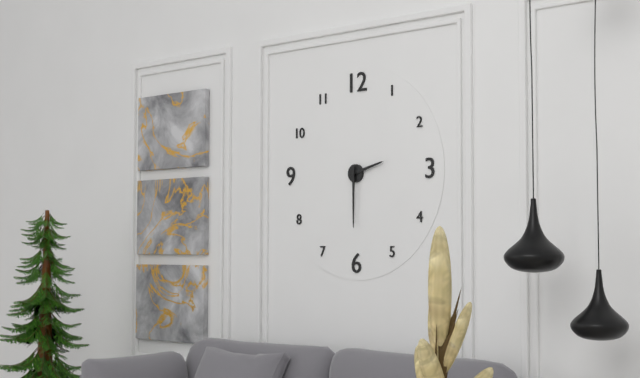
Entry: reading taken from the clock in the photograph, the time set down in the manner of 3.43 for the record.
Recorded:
2.30
